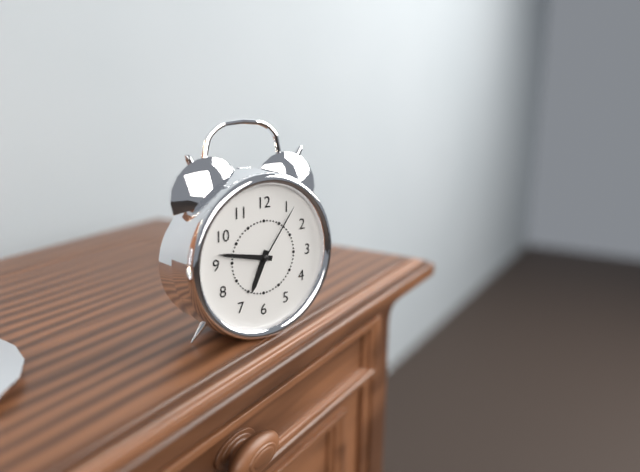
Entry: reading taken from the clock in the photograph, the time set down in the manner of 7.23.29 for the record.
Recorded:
6.47.06
